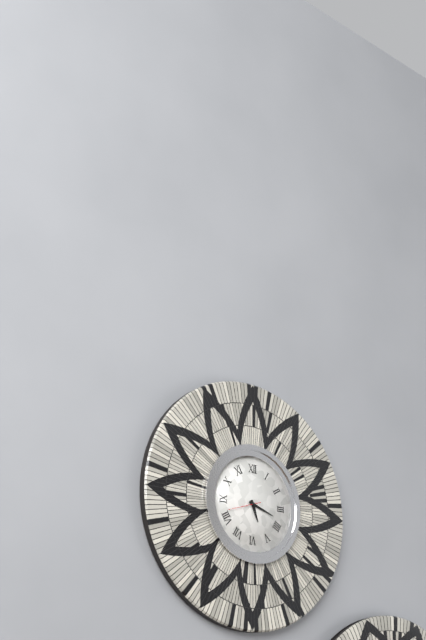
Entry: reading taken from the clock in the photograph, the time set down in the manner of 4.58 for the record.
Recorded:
5.18
